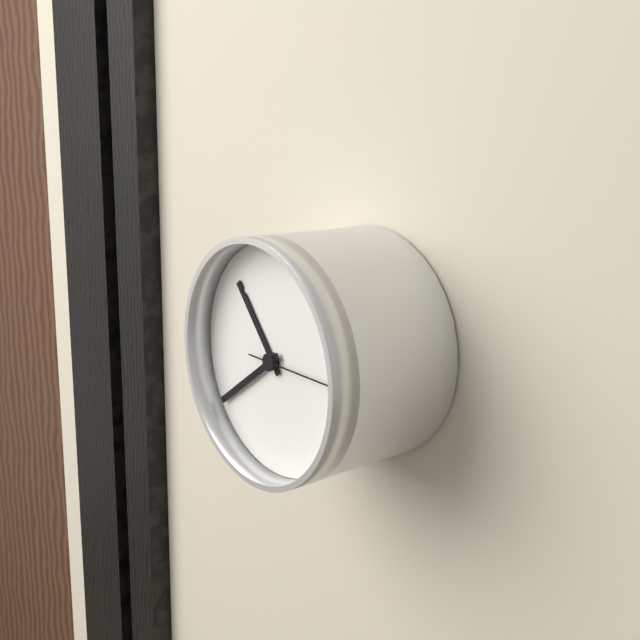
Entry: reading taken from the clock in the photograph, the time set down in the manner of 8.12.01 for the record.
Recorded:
10.39.15
